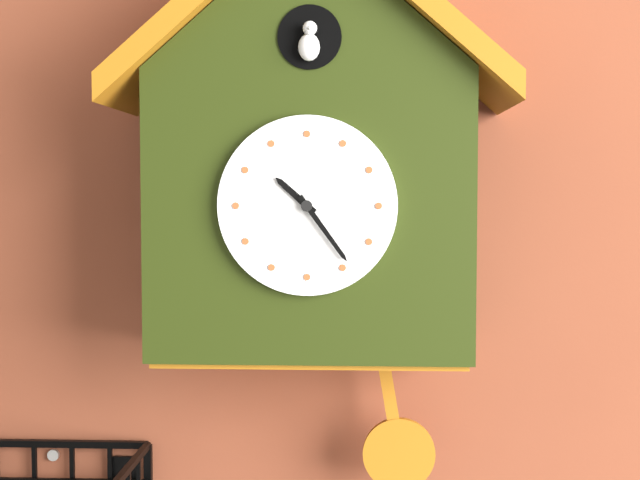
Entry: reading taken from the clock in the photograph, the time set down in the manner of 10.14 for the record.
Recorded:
10.24
